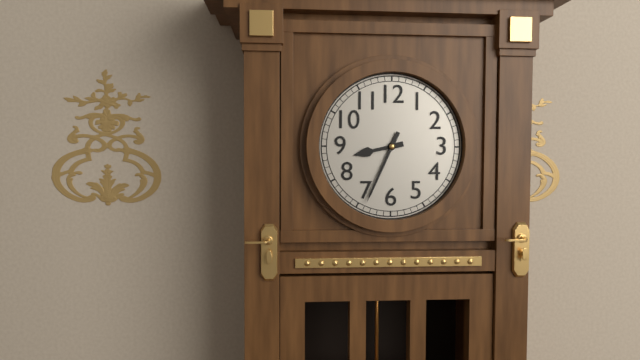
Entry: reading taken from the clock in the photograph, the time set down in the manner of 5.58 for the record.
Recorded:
8.34
